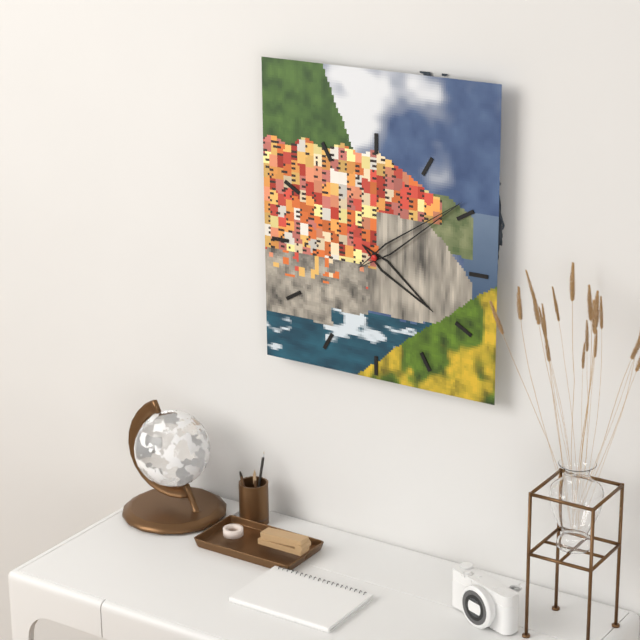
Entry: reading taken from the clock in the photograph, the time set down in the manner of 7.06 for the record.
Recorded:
4.09
